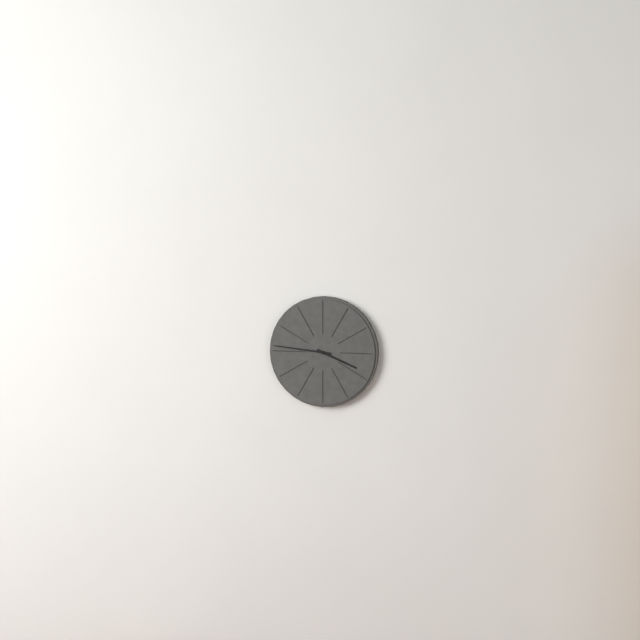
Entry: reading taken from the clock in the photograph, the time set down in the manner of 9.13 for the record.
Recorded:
3.46
